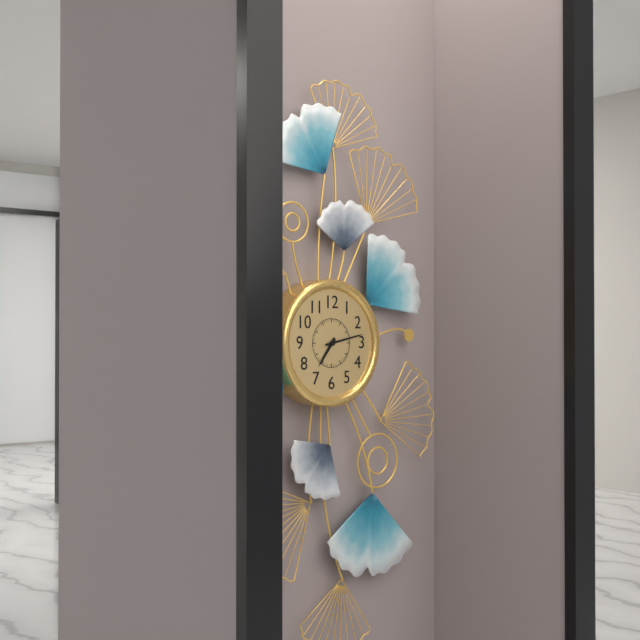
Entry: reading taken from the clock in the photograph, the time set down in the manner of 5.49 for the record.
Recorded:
7.13
